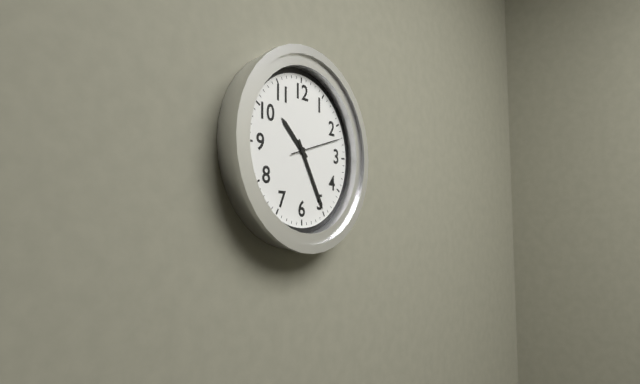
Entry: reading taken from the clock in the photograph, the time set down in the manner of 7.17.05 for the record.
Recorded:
10.25.12
